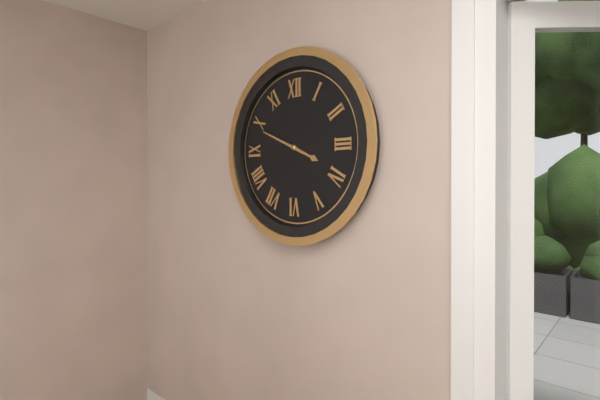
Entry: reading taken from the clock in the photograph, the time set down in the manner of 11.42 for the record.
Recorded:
3.49
